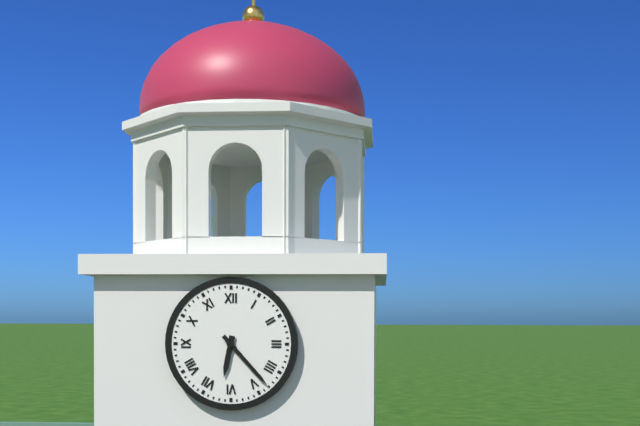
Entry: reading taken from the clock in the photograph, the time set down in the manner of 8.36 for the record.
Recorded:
6.23
